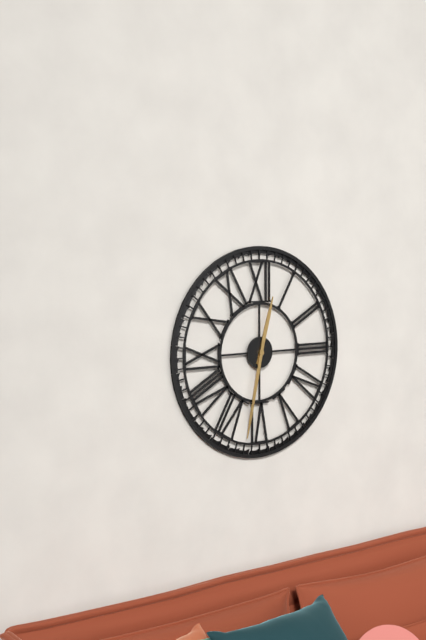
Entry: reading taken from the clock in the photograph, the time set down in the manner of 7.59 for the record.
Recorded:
12.32
